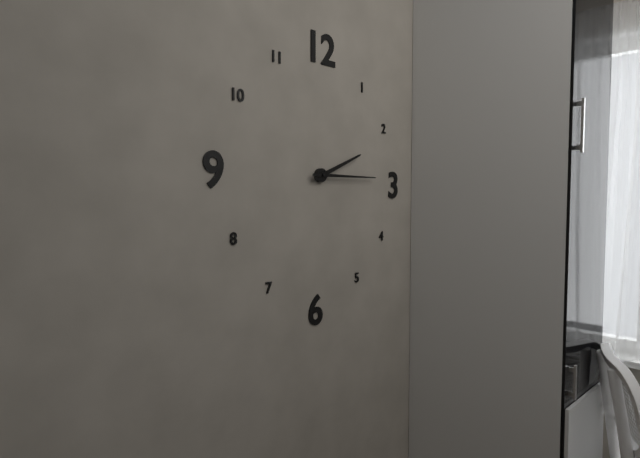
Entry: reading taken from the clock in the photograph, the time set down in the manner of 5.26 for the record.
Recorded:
2.15
